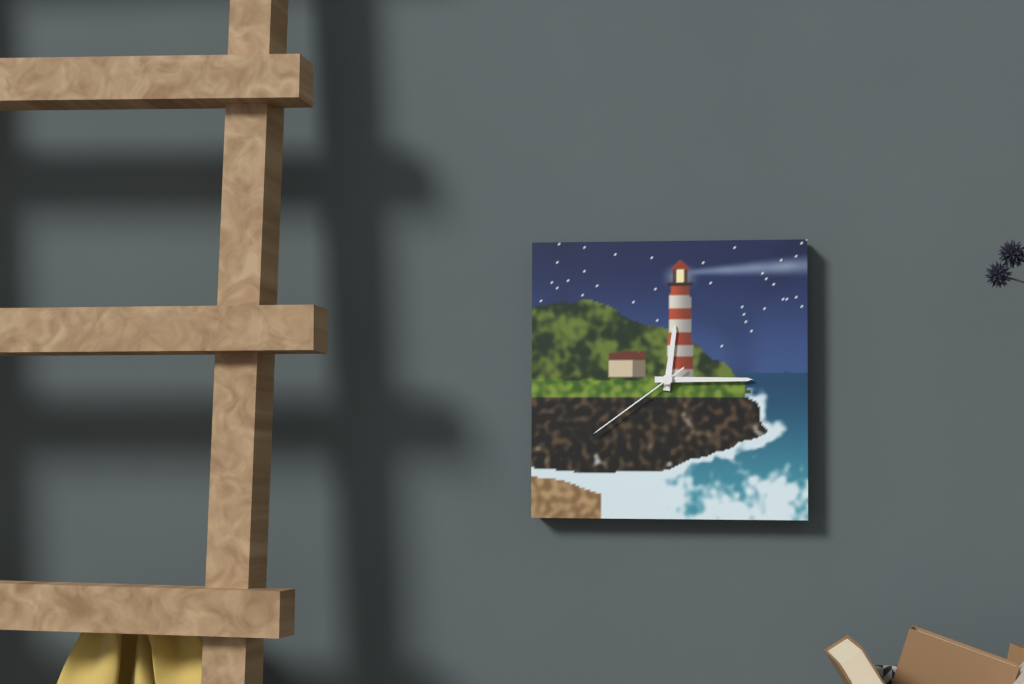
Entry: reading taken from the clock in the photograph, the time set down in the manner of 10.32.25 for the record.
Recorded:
12.15.39
